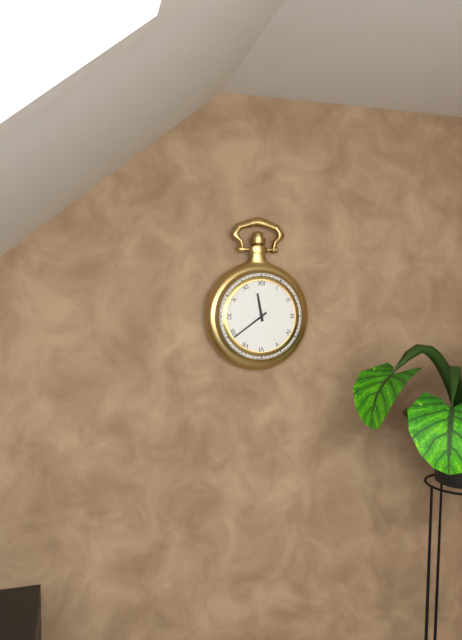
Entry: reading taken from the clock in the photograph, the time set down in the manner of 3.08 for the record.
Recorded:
11.39
